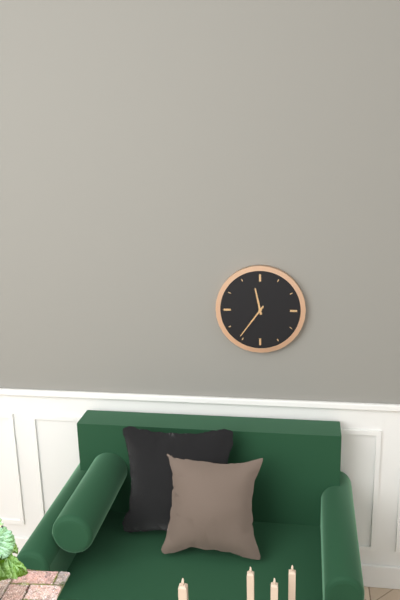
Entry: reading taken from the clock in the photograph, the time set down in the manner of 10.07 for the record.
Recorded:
11.36
